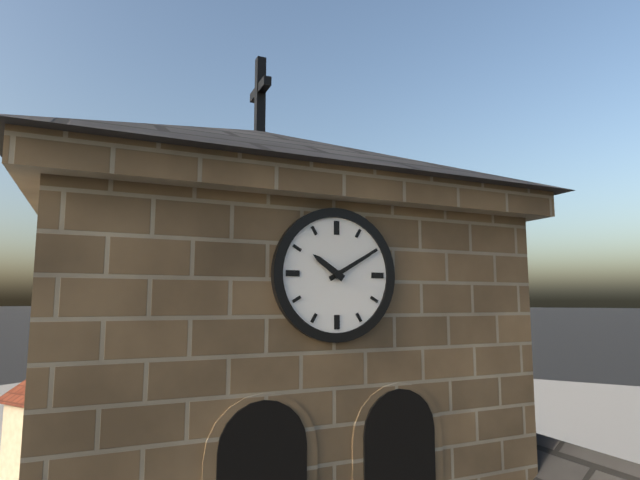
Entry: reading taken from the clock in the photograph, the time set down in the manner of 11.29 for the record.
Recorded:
10.10
